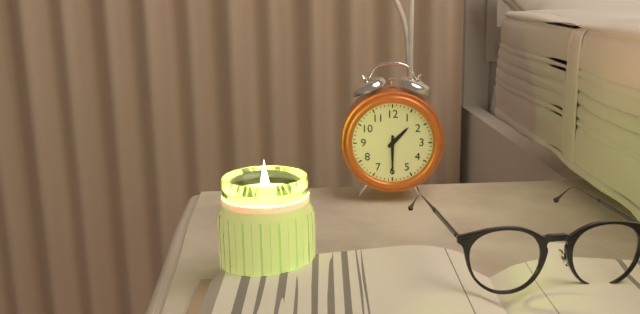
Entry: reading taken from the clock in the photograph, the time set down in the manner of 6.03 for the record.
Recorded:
1.30
